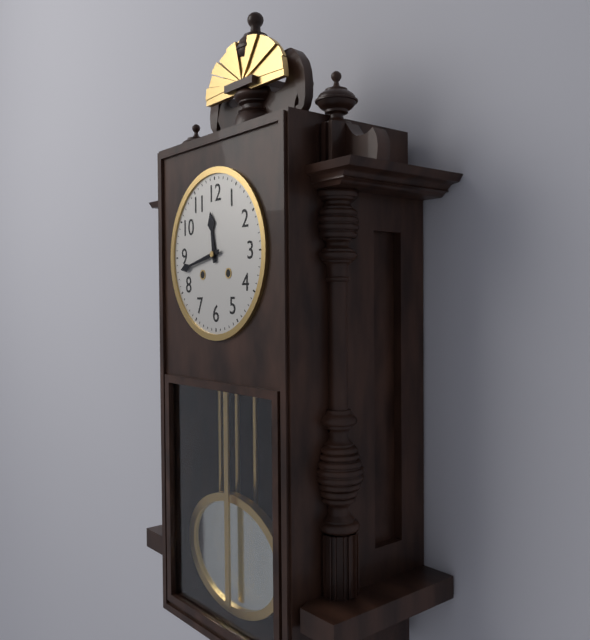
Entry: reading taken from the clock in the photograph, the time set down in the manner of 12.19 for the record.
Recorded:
11.43
